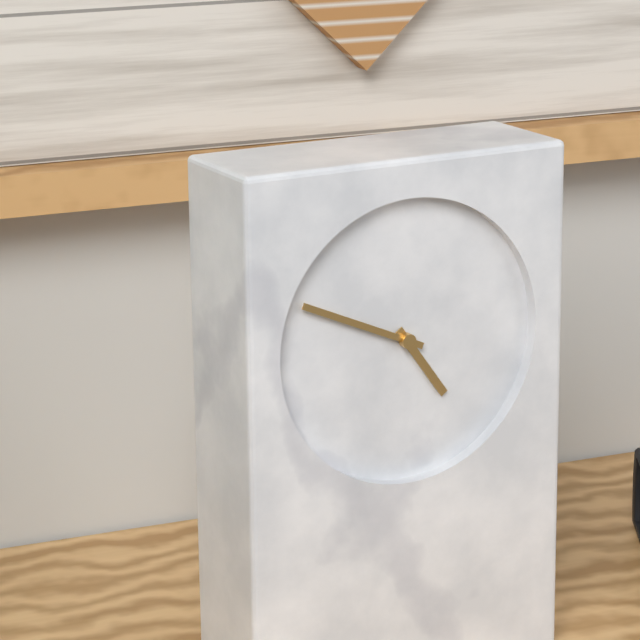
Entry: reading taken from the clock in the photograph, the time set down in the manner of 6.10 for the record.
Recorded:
4.49
